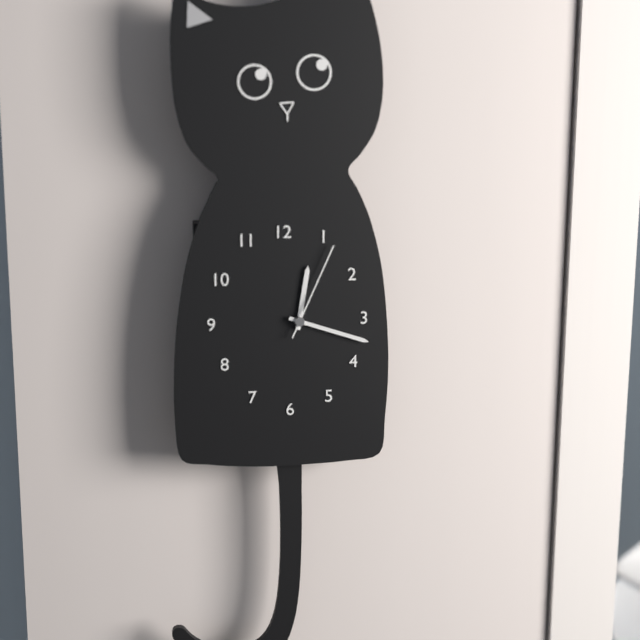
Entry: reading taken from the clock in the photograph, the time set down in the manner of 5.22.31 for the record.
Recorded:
12.18.04
